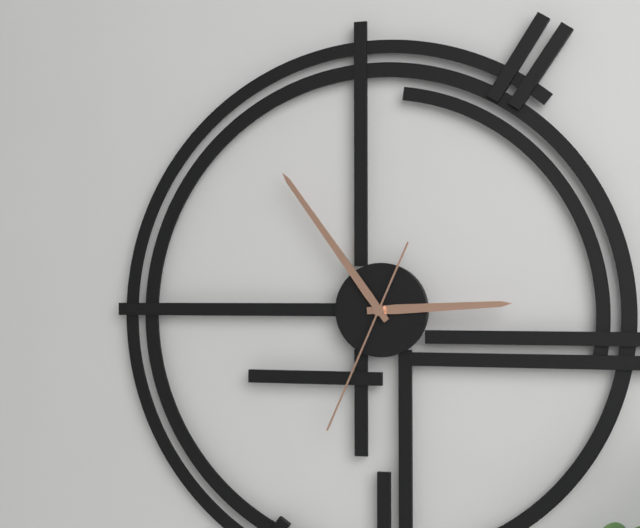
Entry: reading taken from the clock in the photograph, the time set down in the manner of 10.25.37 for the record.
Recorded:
2.54.34
